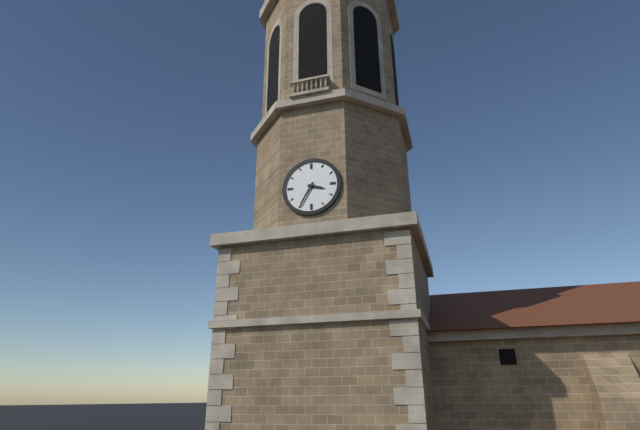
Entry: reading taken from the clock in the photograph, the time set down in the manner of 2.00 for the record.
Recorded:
3.35
